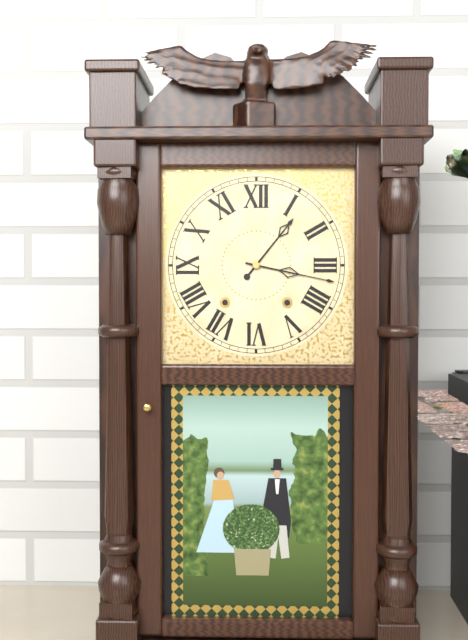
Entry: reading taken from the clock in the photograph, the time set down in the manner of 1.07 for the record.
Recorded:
1.17
